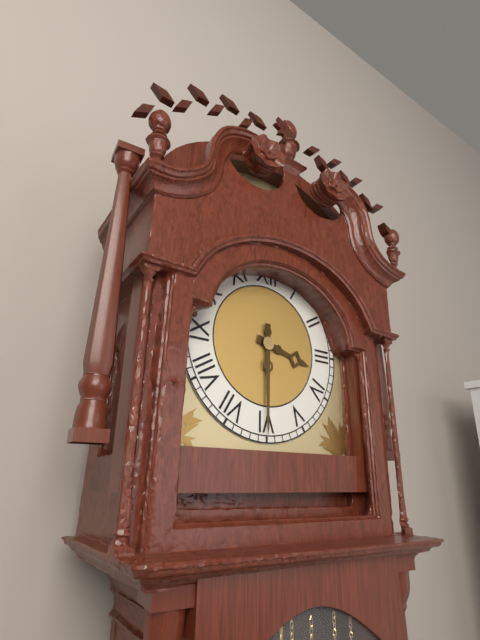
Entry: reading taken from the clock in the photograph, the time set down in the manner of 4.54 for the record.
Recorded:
3.30
